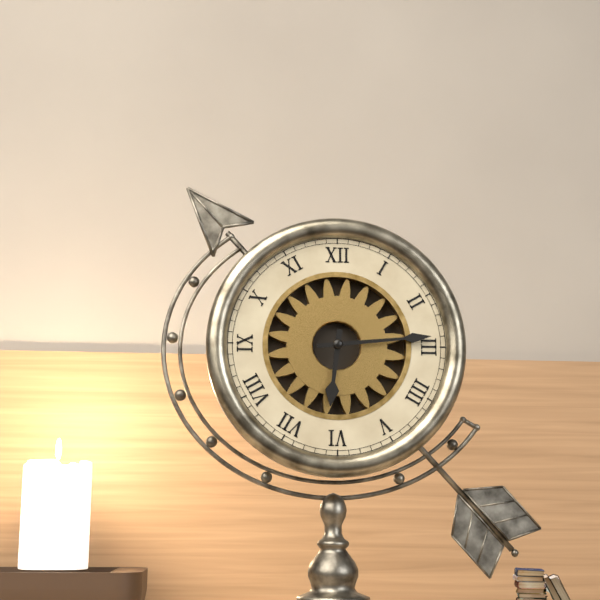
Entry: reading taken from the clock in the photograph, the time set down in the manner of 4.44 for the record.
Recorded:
6.14
